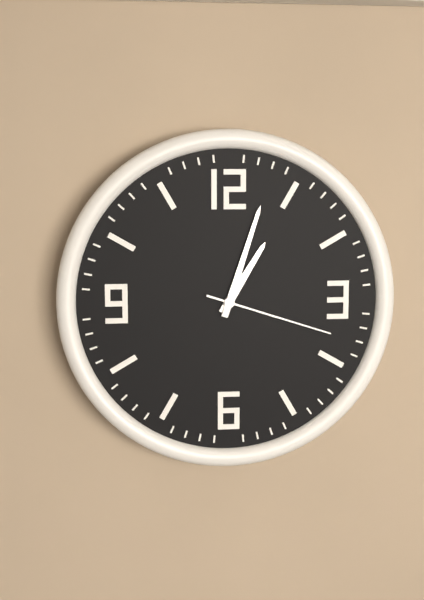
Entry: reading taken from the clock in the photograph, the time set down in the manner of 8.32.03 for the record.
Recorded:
1.03.18
